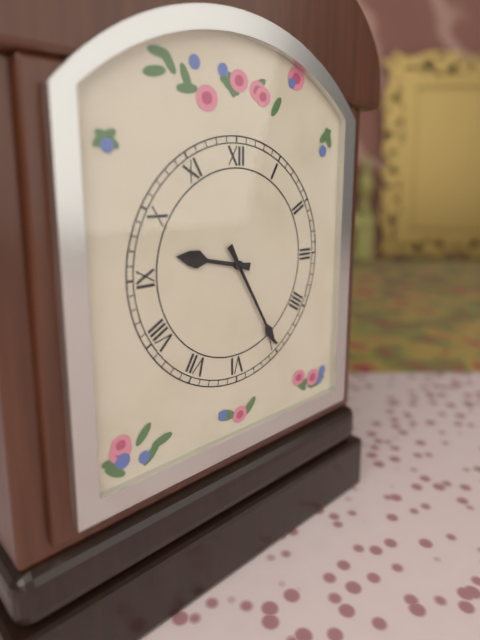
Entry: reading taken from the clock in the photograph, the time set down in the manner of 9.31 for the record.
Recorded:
9.25
